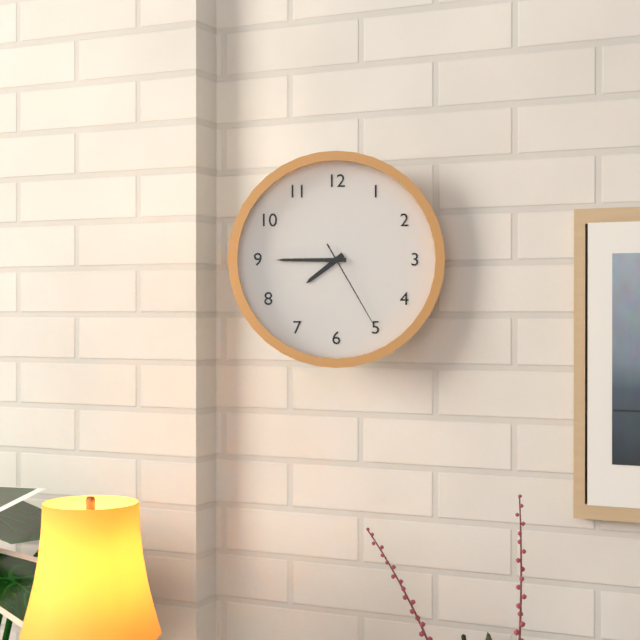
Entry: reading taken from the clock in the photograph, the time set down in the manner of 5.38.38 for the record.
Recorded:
7.45.25
